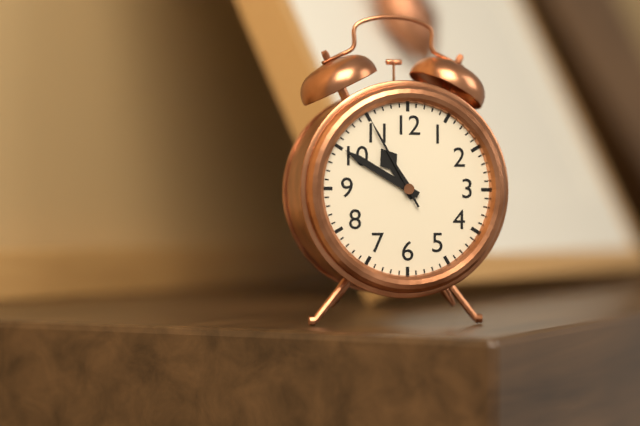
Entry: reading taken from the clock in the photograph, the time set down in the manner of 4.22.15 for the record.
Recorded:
10.50.55
